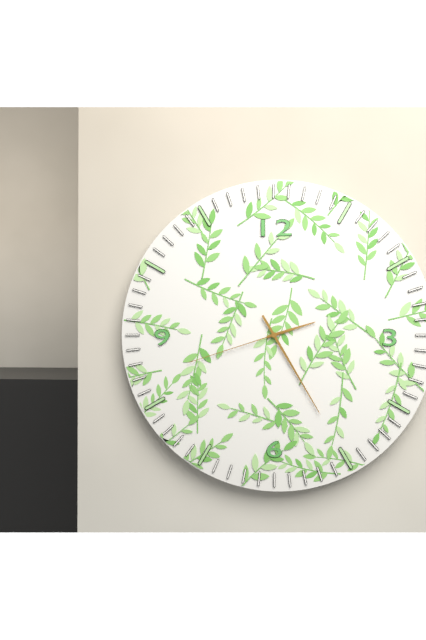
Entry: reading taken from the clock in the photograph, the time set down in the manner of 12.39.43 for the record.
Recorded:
2.25.42
